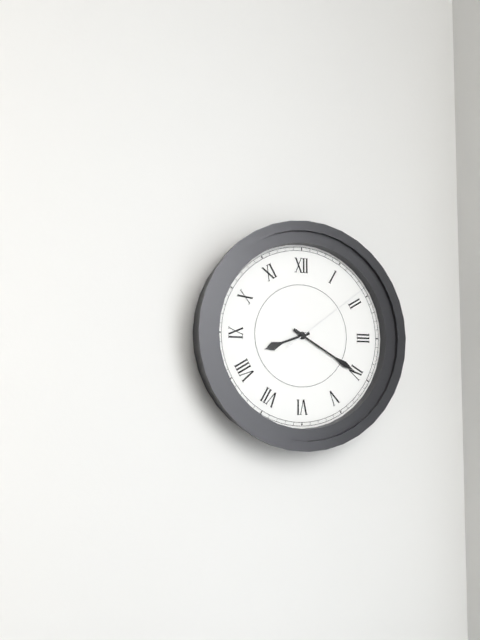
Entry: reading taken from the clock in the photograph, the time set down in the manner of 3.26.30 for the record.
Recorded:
8.20.09
